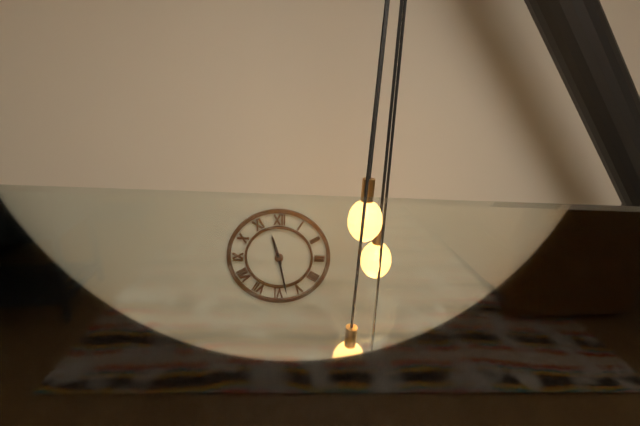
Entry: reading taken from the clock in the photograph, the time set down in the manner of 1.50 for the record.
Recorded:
11.28
